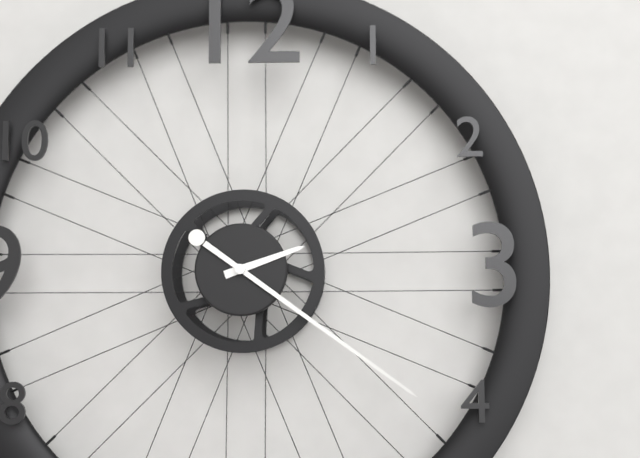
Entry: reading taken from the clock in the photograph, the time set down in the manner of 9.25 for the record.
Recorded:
2.21
